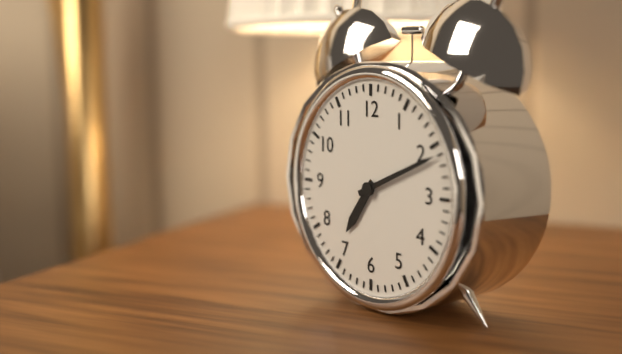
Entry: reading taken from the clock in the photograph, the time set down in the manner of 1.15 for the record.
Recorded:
7.11
